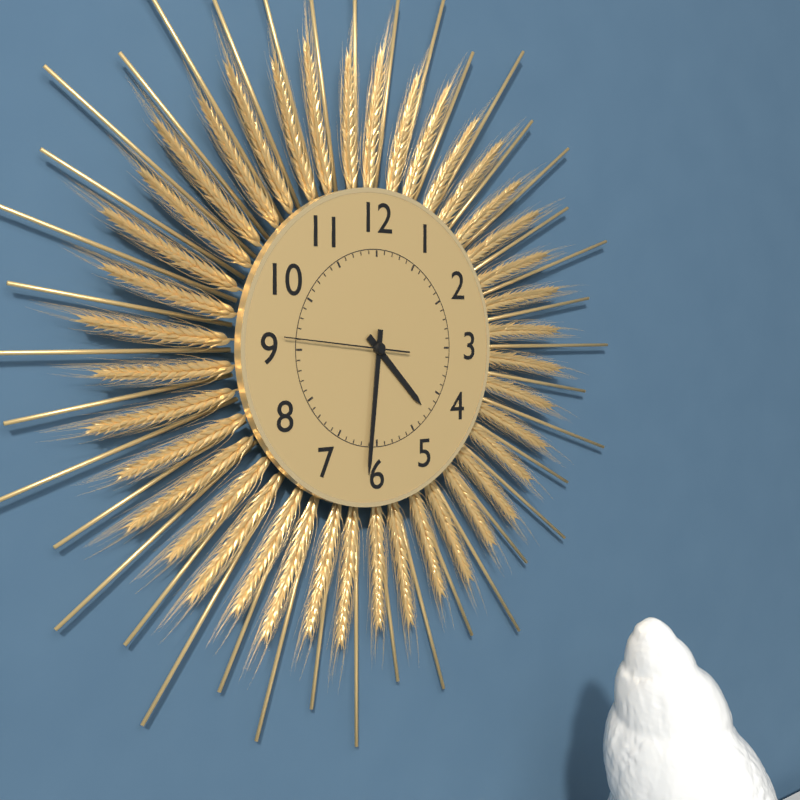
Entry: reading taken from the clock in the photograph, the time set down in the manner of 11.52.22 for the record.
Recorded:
4.31.46
